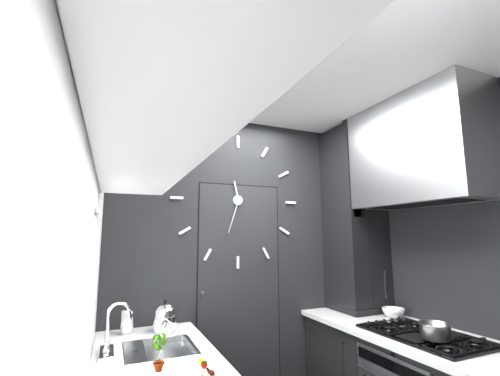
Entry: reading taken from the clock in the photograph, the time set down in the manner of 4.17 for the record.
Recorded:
11.33
